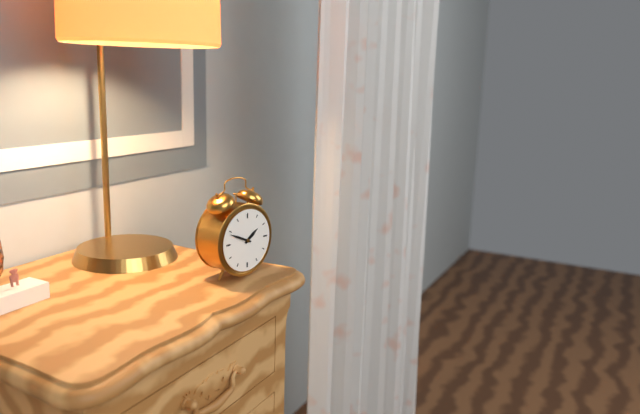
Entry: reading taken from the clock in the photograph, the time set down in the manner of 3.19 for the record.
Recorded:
1.49
